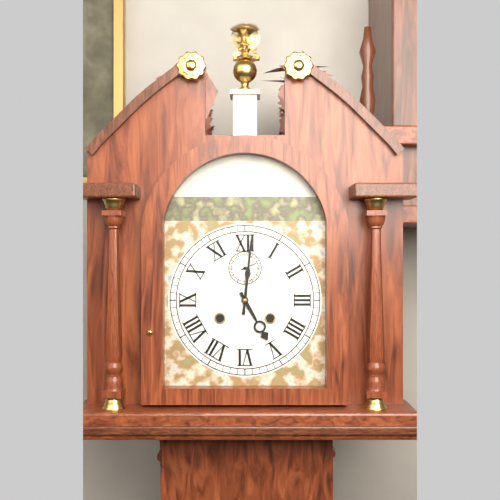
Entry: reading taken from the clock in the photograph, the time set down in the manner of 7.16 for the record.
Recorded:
5.01
